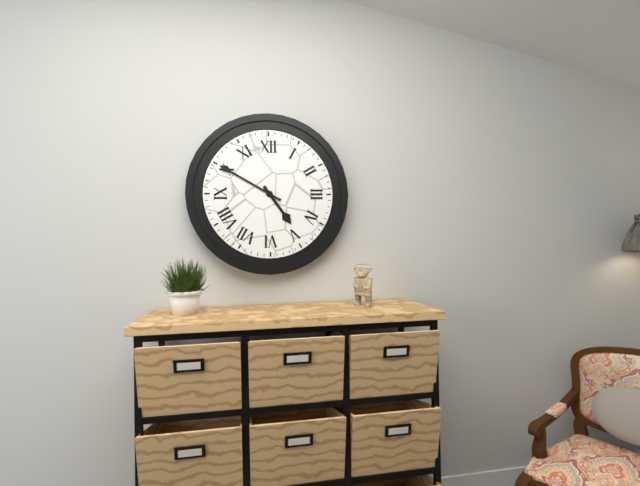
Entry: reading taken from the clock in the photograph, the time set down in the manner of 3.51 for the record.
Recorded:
4.50
